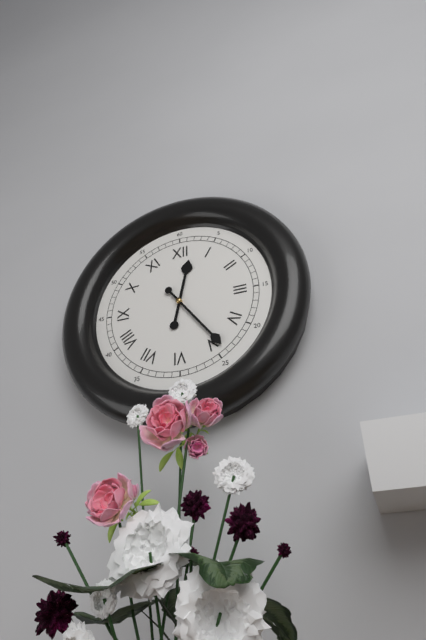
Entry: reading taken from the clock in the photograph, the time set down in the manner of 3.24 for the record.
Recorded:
12.24
